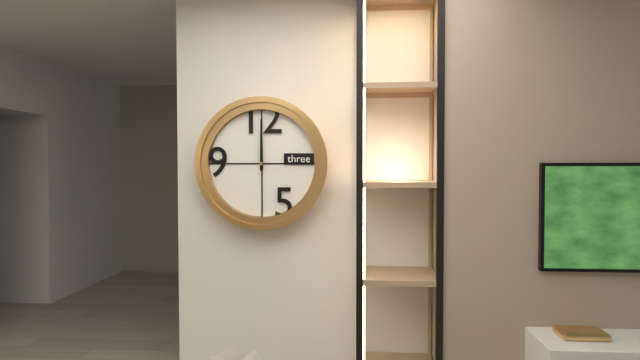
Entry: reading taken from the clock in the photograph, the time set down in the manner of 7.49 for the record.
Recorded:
12.00
